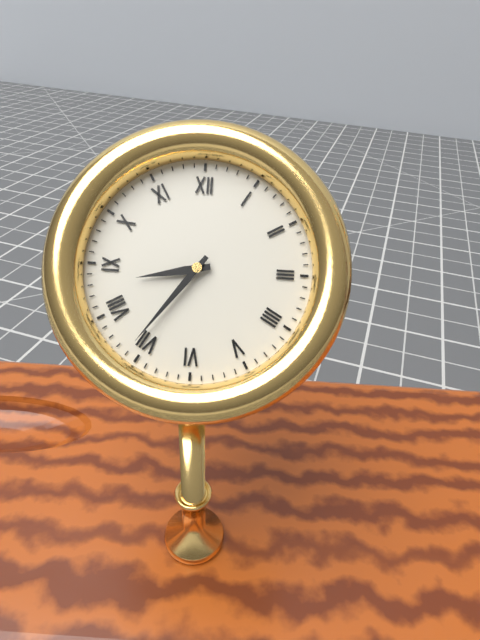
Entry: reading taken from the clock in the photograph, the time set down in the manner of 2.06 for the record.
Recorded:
8.36
